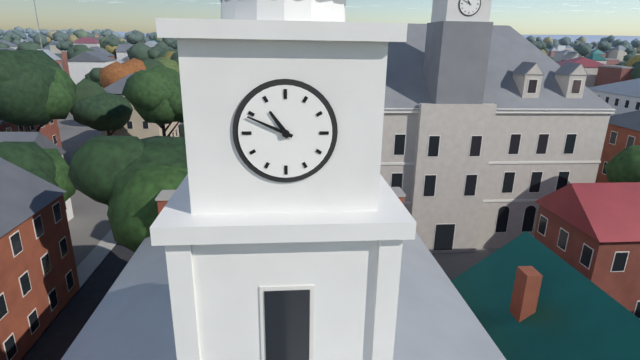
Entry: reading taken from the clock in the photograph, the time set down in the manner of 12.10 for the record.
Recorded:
10.49
